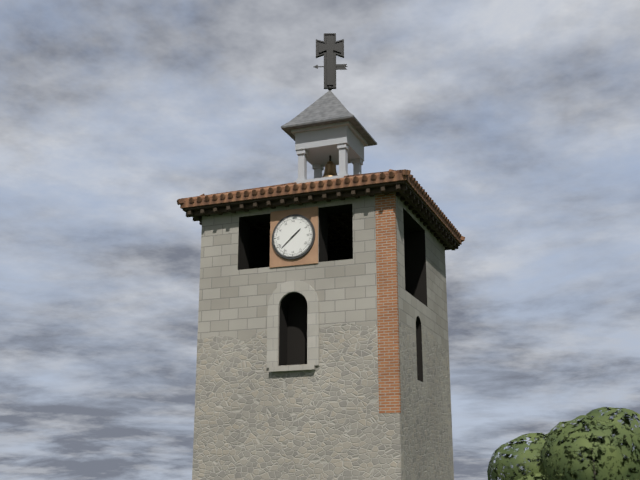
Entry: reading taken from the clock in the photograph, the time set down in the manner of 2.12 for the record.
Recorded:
1.38
